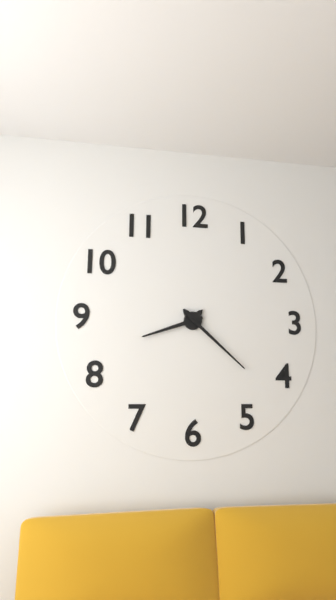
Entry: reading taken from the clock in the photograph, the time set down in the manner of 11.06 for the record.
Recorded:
8.22
